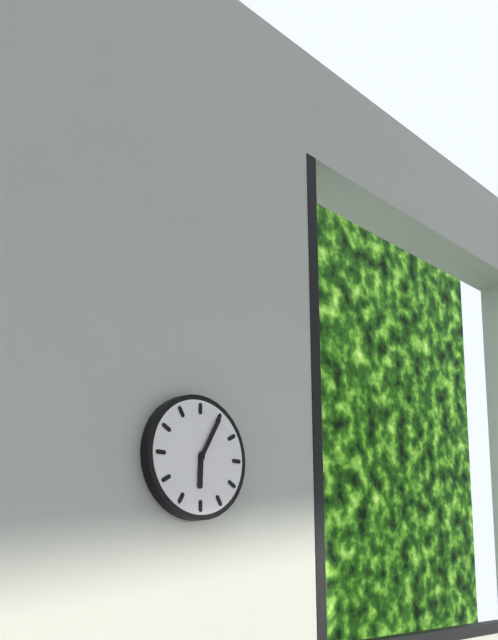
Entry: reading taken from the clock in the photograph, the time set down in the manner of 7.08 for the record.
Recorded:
6.05
